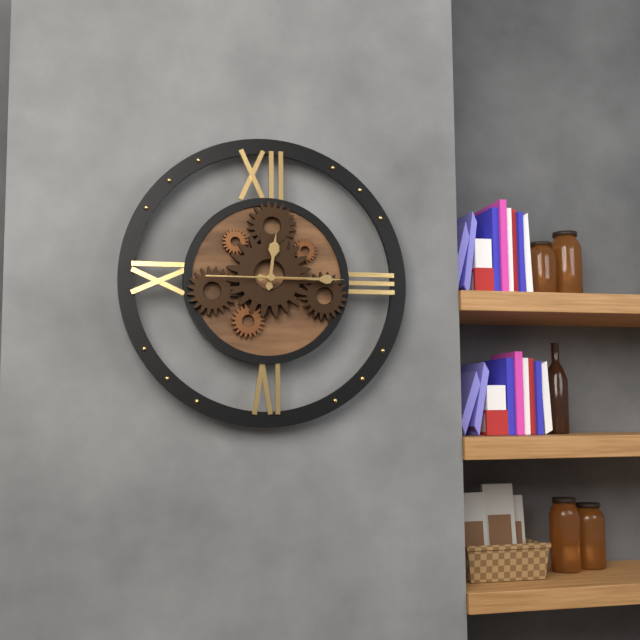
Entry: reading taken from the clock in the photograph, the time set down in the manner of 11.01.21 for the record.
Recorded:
12.15.45
